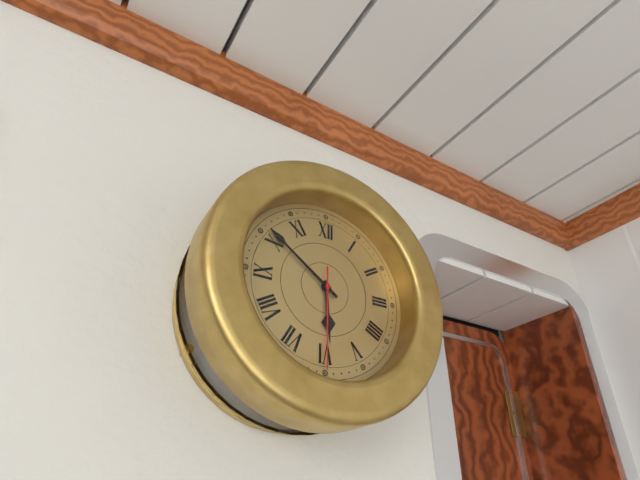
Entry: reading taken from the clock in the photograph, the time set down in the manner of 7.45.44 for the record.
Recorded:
5.51.30
